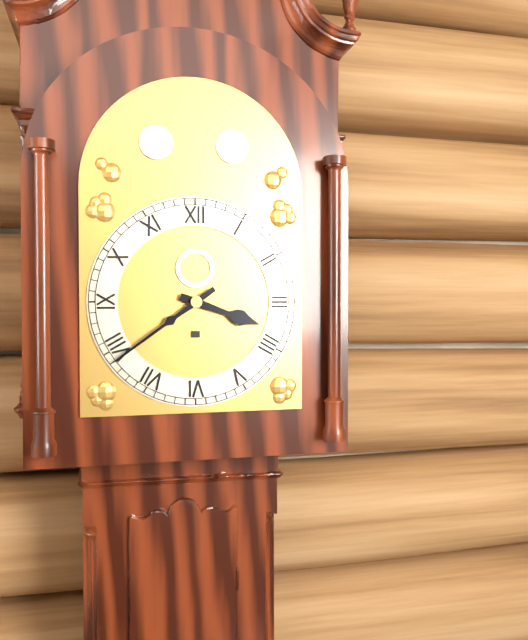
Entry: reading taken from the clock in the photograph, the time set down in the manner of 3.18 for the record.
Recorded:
3.39
